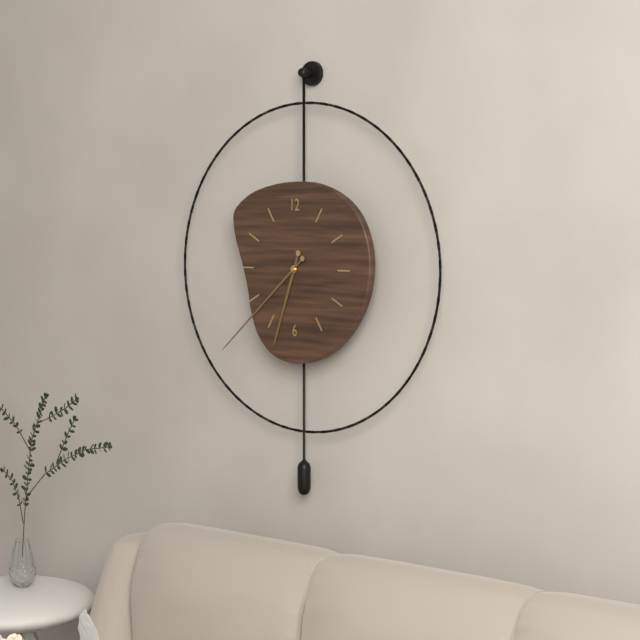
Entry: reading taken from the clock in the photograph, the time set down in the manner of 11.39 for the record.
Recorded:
6.38
